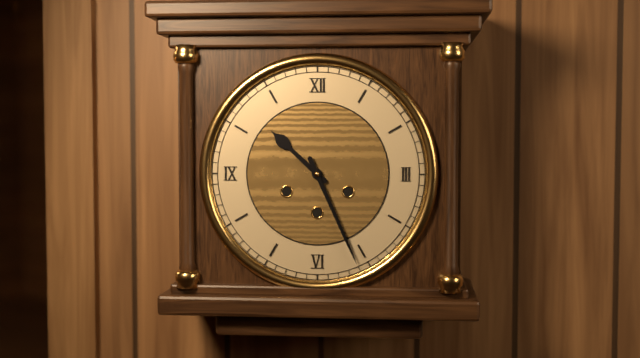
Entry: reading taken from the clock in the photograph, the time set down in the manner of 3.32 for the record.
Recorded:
10.26
